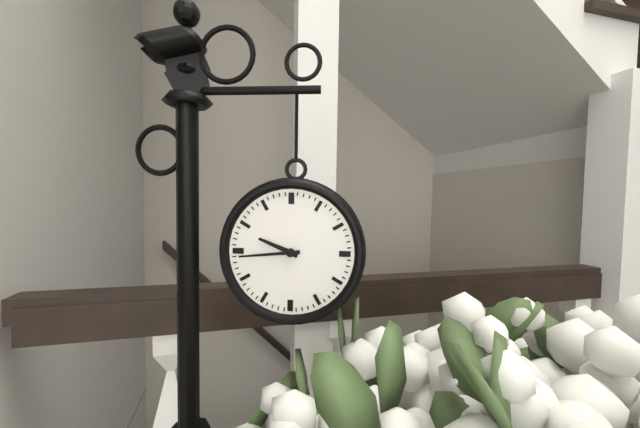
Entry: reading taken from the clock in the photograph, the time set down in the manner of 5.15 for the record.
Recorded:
9.44
